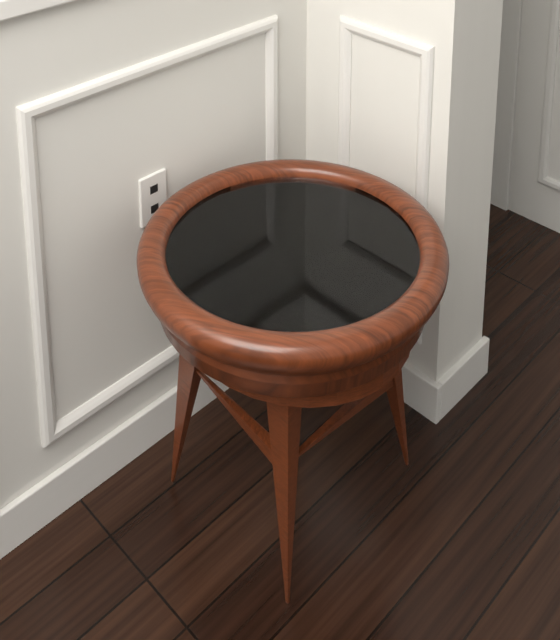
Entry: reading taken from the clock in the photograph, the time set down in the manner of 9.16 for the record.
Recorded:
2.09
